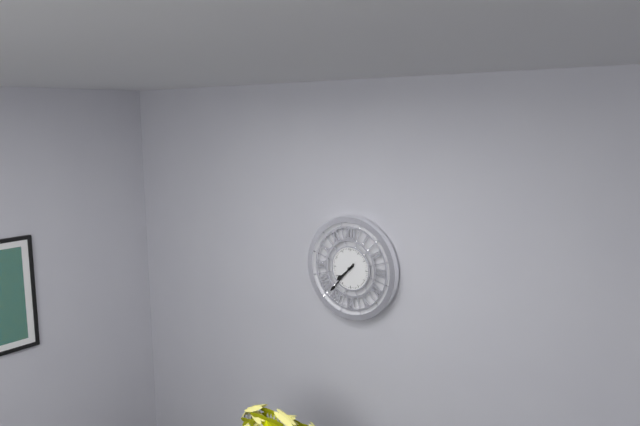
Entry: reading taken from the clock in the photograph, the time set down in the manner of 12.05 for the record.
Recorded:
7.37
